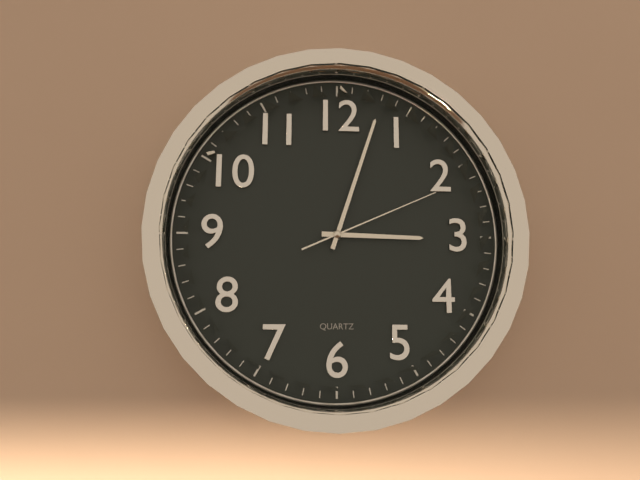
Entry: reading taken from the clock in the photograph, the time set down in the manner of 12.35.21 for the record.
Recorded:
3.03.11
